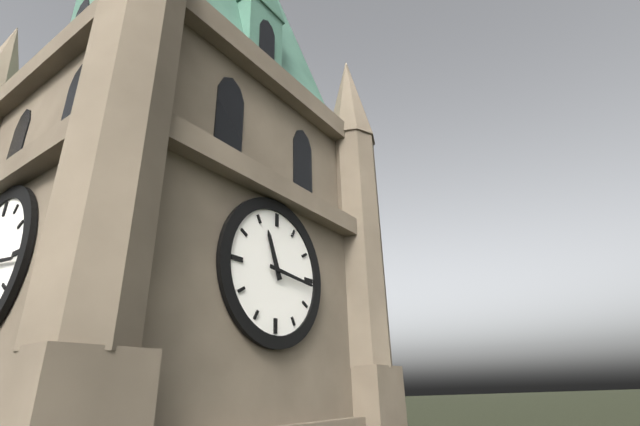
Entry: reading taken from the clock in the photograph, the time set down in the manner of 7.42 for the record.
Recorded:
11.16
